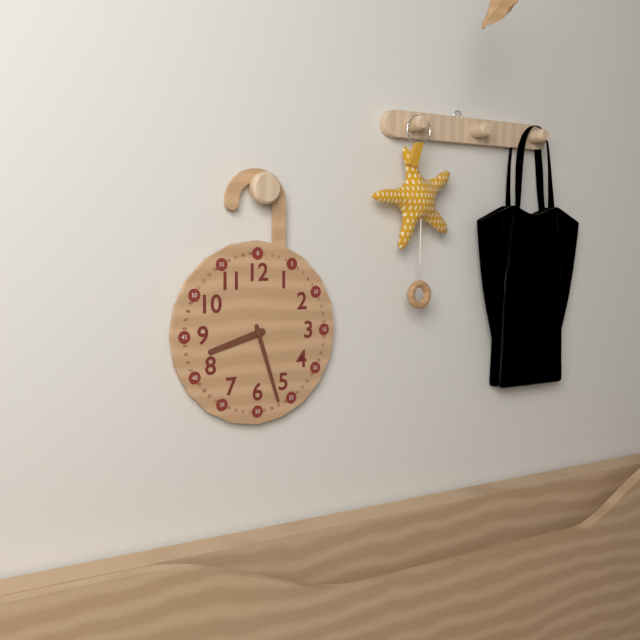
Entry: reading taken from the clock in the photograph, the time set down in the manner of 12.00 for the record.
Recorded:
8.27
